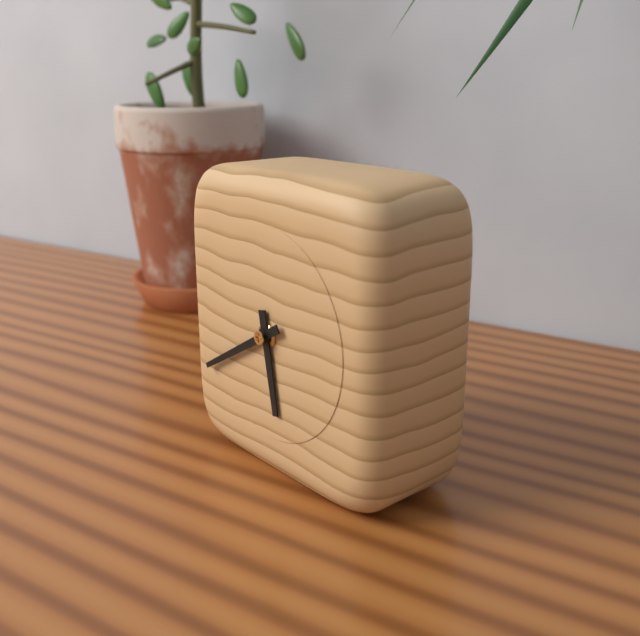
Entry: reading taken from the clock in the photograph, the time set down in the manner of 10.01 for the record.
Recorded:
5.40
